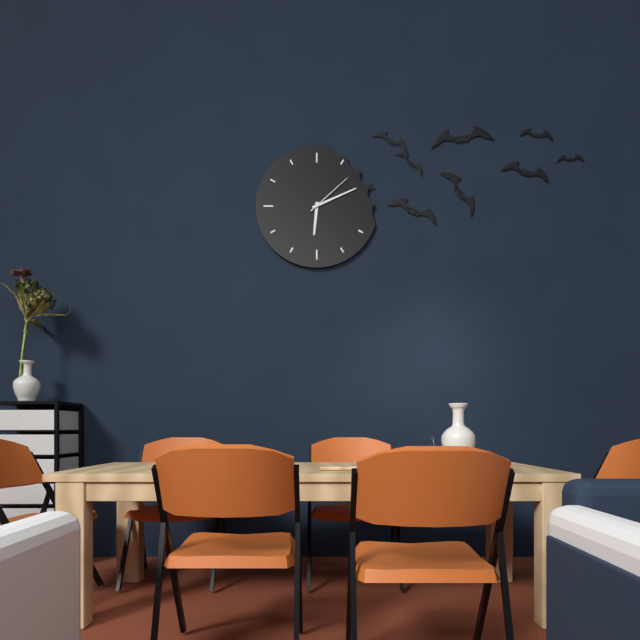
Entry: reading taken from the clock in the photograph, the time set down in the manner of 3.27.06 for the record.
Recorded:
6.11.08
